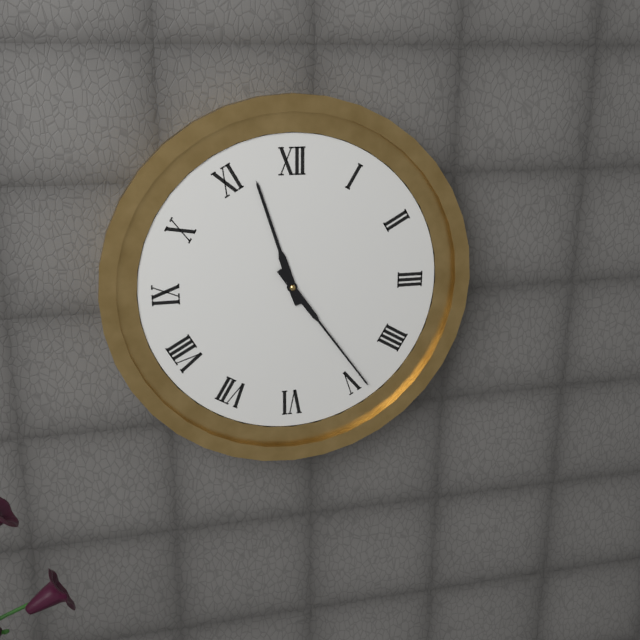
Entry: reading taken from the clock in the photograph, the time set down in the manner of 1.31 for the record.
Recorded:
11.24
